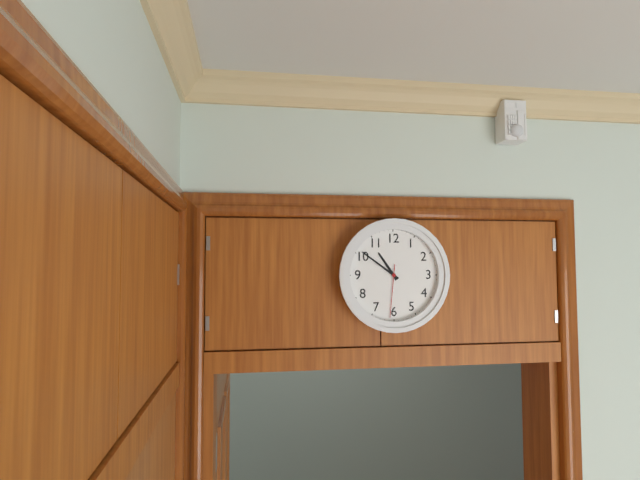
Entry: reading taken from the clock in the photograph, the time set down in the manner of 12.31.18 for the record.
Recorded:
10.51.31
